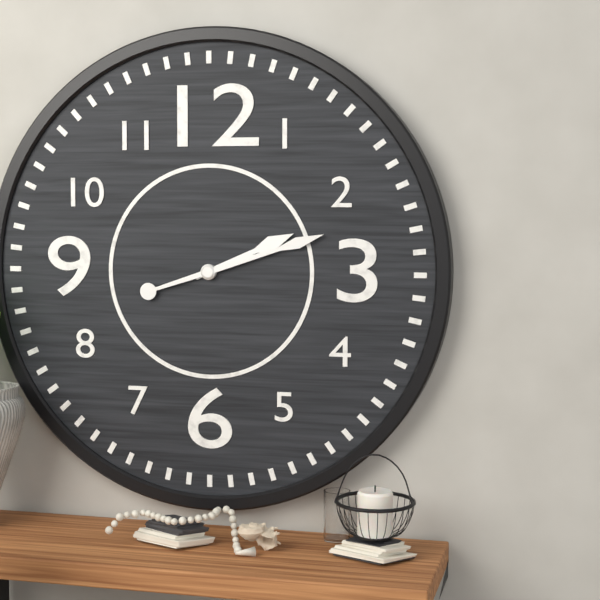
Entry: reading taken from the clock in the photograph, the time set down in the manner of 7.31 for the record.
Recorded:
2.12
